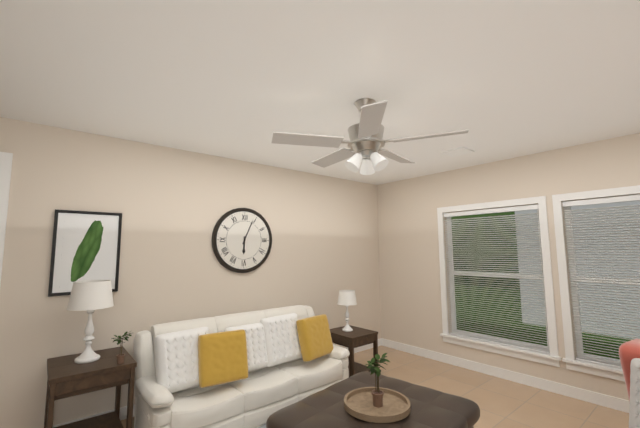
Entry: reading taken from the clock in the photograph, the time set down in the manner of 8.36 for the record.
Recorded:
6.04
